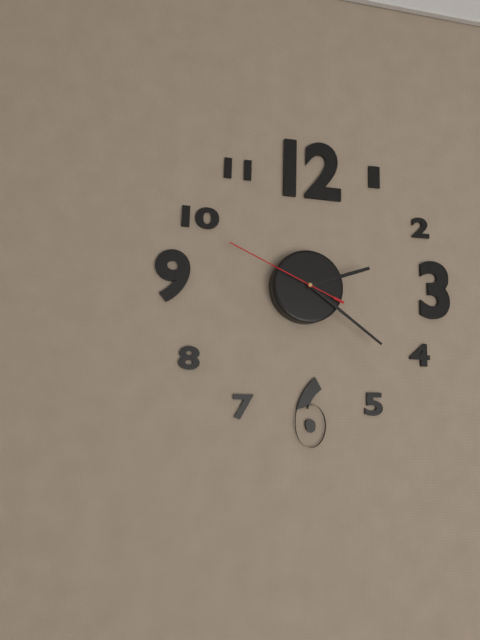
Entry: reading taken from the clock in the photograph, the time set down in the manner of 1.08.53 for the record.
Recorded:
2.21.49
